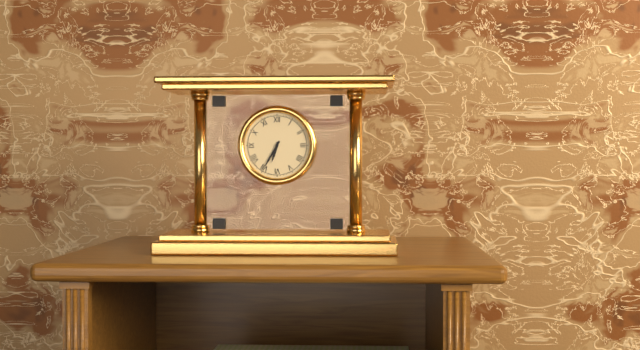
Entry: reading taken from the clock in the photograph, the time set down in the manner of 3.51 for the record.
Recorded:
6.35
